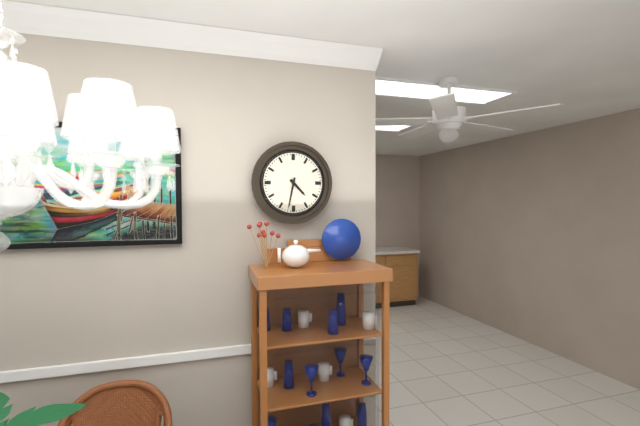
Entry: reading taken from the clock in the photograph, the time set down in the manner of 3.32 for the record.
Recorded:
4.32
